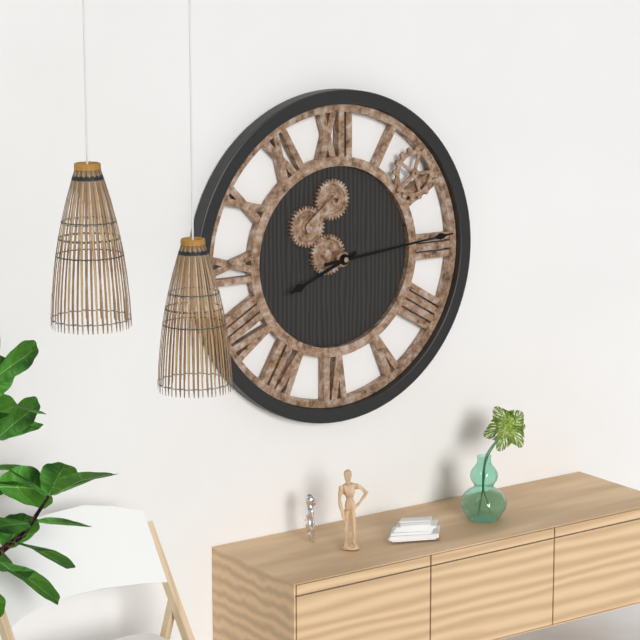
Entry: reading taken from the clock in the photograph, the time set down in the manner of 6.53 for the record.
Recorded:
8.14
